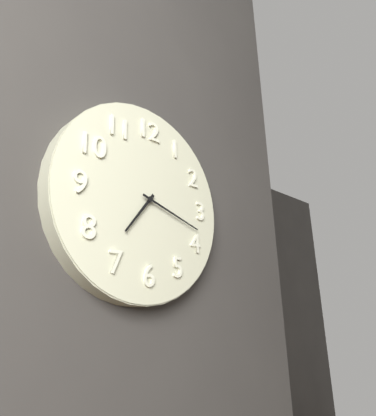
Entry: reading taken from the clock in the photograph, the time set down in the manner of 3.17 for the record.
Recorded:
7.18
